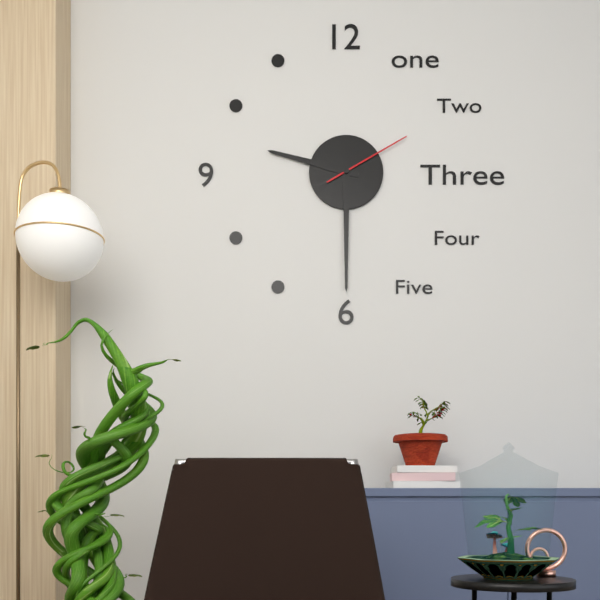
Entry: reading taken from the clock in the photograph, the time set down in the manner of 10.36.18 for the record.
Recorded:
9.30.10
